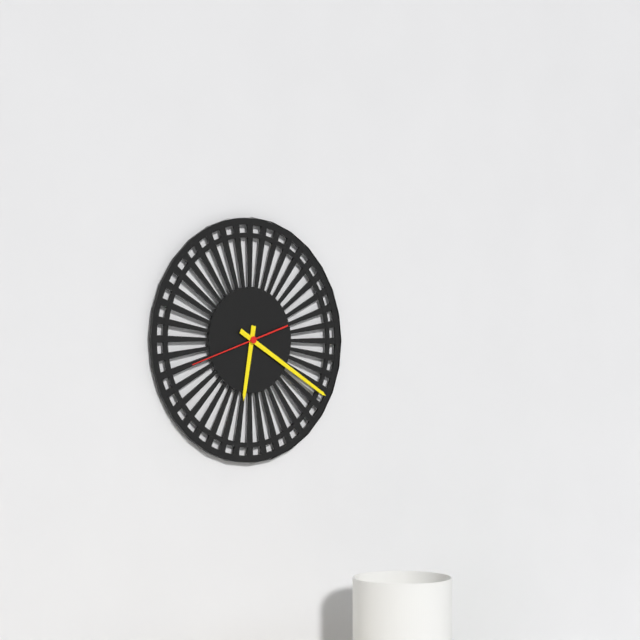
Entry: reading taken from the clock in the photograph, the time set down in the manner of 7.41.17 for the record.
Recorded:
6.20.42
